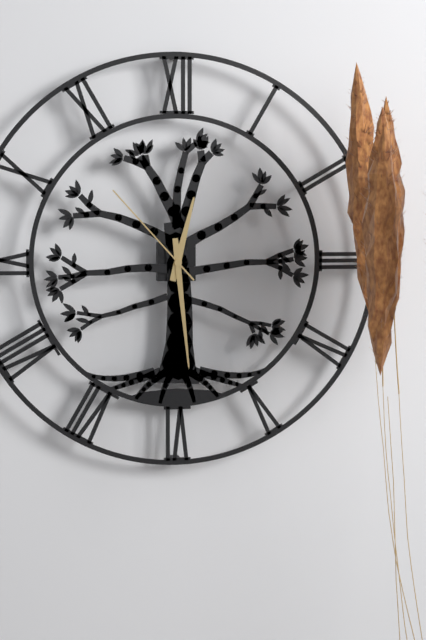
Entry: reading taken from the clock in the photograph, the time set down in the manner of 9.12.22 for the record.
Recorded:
12.29.53
